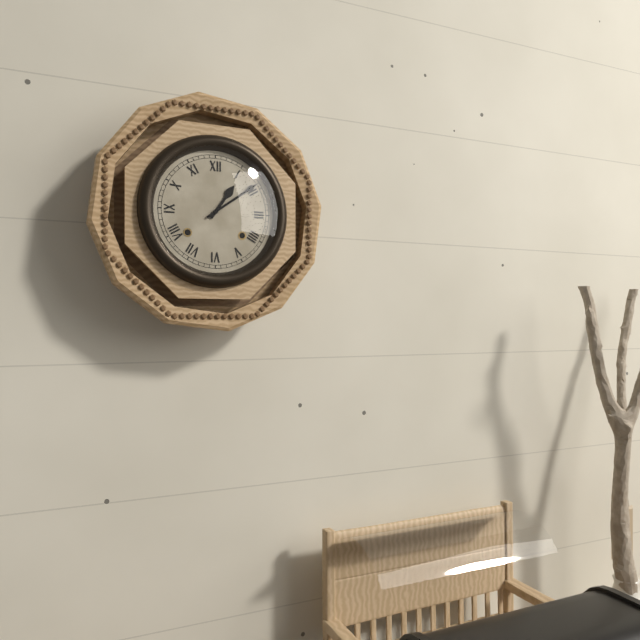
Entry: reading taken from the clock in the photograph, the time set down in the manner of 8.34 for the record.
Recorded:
1.09
